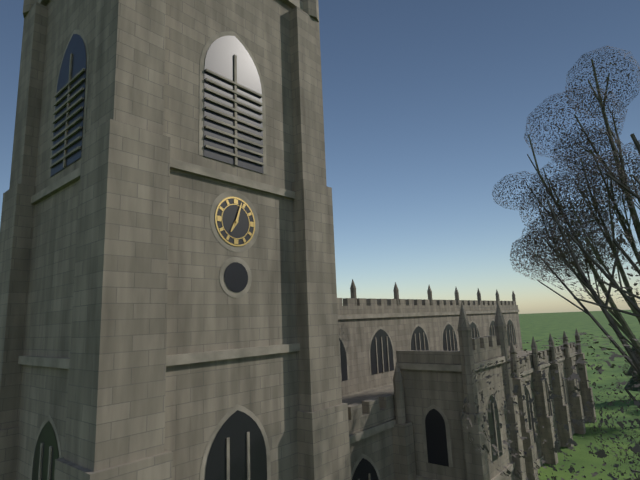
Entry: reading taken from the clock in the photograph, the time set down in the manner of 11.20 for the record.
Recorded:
7.03
